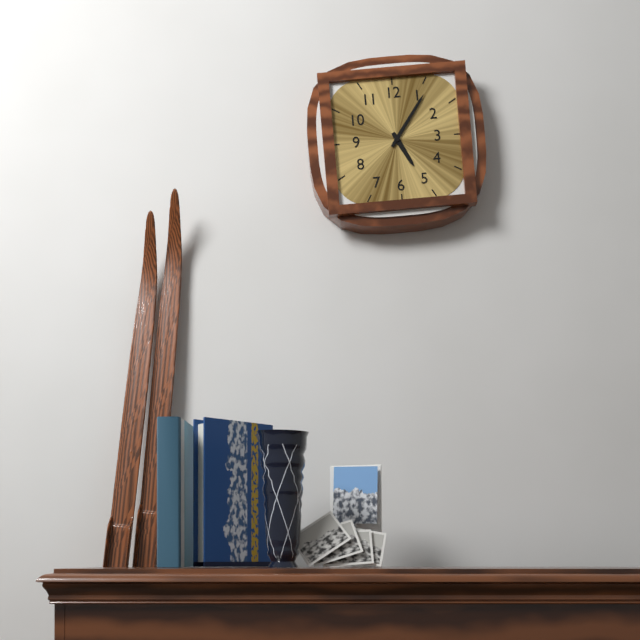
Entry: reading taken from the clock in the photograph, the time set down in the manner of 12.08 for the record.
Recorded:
5.06
